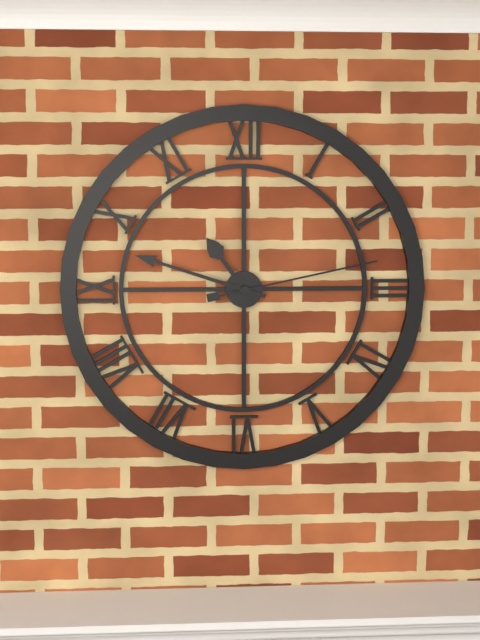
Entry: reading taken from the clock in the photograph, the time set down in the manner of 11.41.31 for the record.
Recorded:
10.48.13
